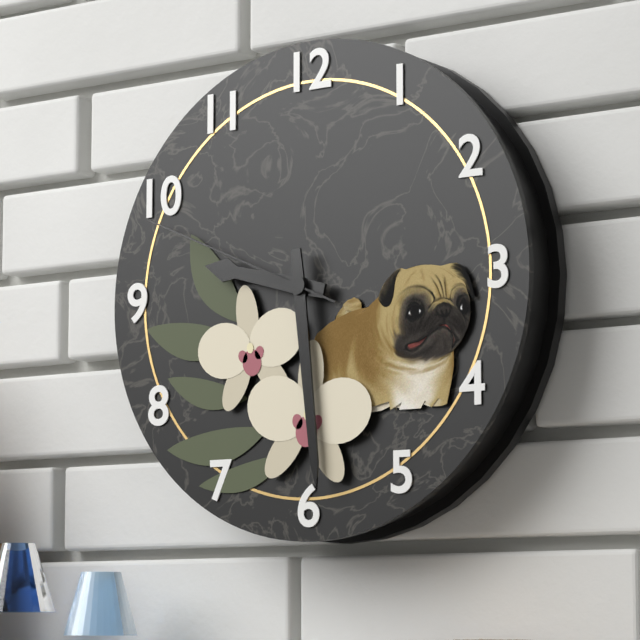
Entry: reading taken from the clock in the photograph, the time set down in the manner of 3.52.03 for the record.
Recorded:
9.29.49
